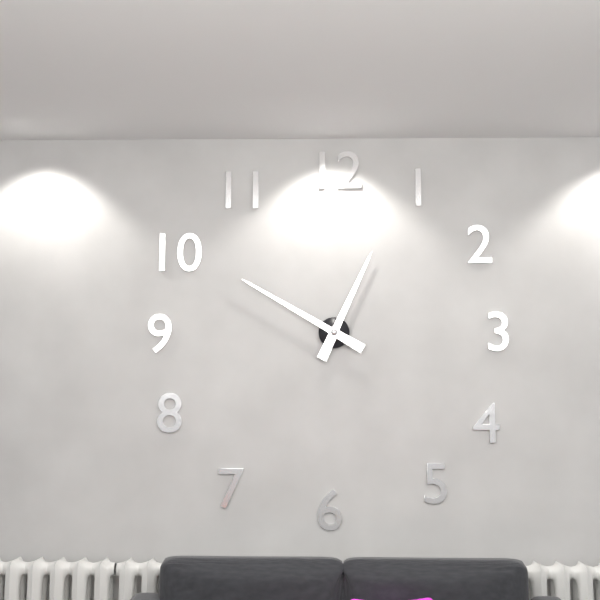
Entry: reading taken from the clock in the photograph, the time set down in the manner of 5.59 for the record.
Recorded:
12.50
